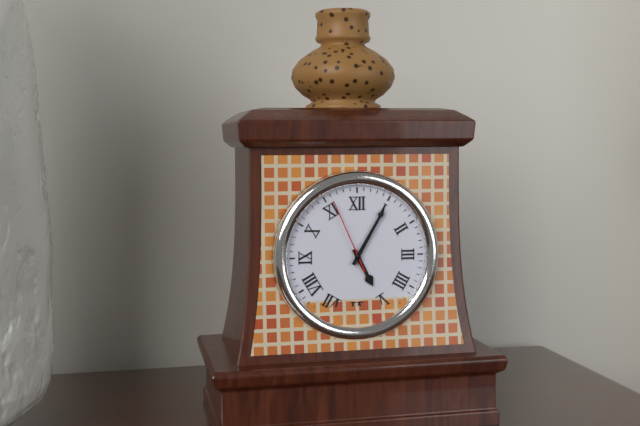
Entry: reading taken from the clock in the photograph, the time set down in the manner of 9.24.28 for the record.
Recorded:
5.05.56
